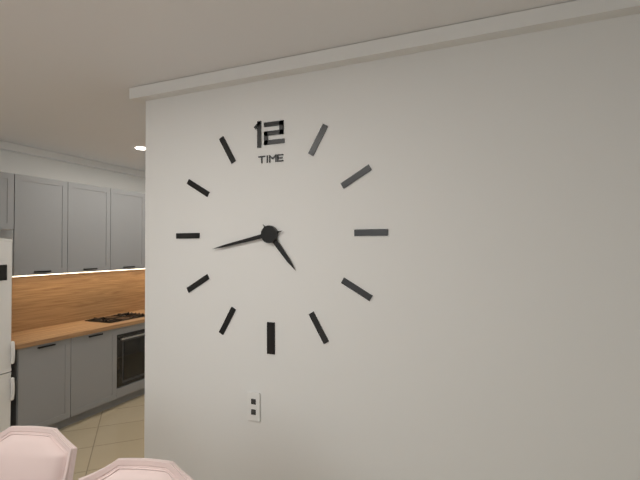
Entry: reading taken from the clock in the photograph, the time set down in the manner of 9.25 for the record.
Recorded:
4.43
